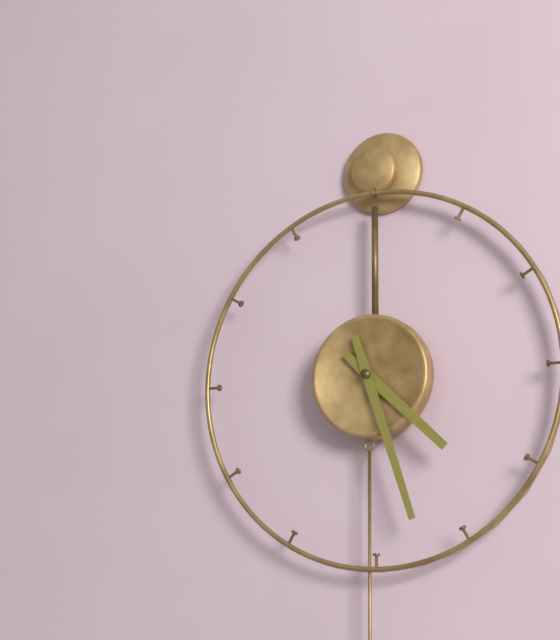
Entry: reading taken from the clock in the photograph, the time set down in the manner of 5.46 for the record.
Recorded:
4.27
